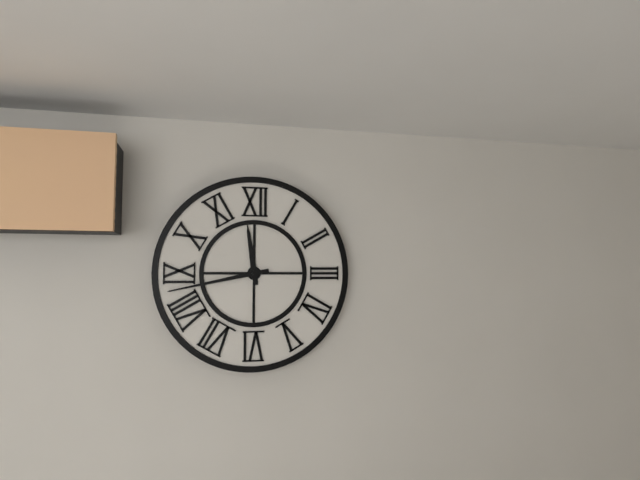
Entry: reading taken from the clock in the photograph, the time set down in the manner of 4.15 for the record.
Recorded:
11.43
